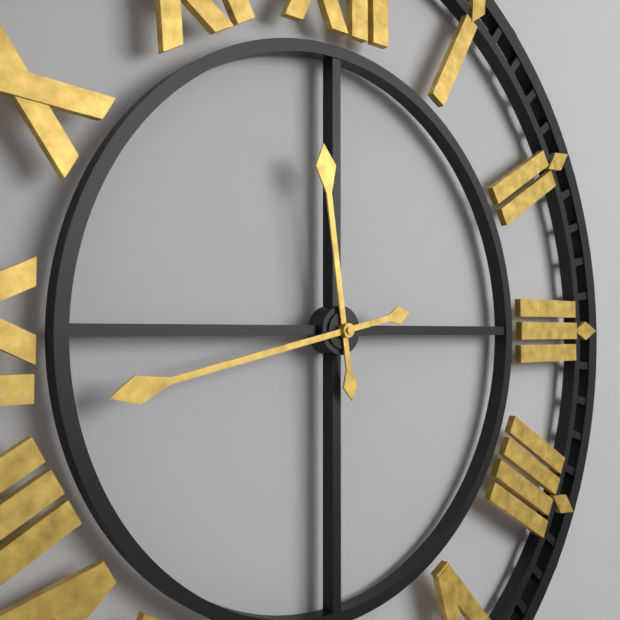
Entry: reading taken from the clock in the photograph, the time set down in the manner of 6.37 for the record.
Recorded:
11.43
